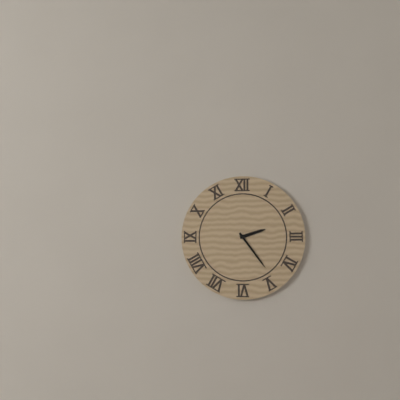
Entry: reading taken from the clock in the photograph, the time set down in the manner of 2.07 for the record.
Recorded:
2.24
